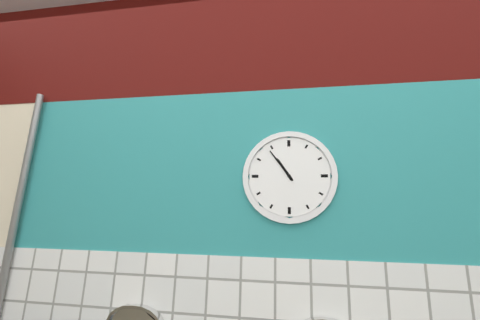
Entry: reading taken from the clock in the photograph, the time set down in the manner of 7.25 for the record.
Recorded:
10.54
